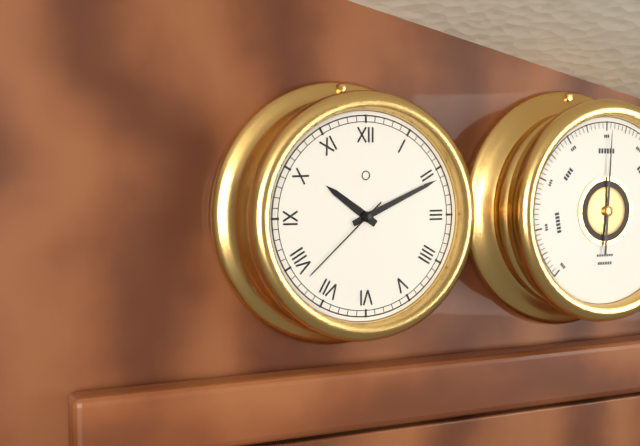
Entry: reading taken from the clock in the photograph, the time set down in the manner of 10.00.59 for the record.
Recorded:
10.11.38
